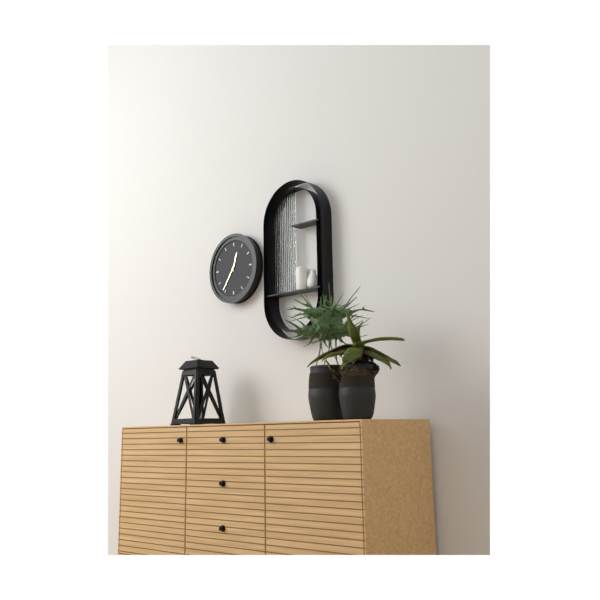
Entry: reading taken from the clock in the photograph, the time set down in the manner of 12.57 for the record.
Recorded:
12.36
